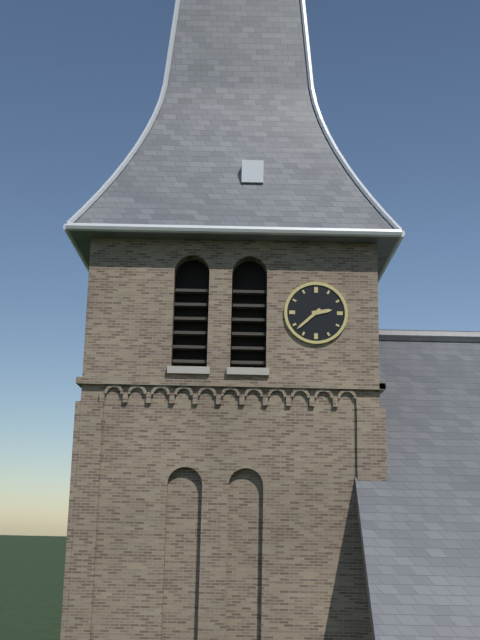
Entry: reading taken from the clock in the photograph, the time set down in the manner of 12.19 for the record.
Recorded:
2.38
